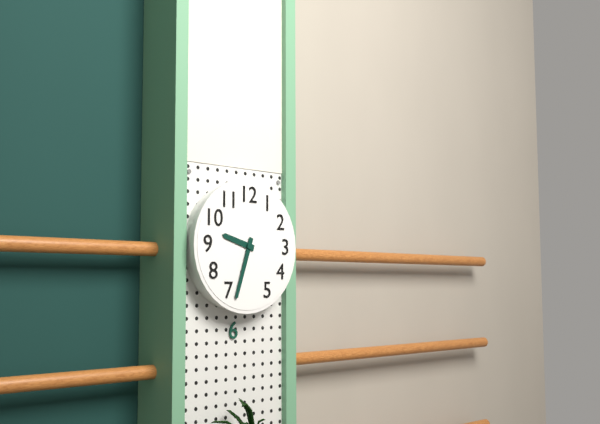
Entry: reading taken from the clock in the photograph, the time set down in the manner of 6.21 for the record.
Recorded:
9.33
